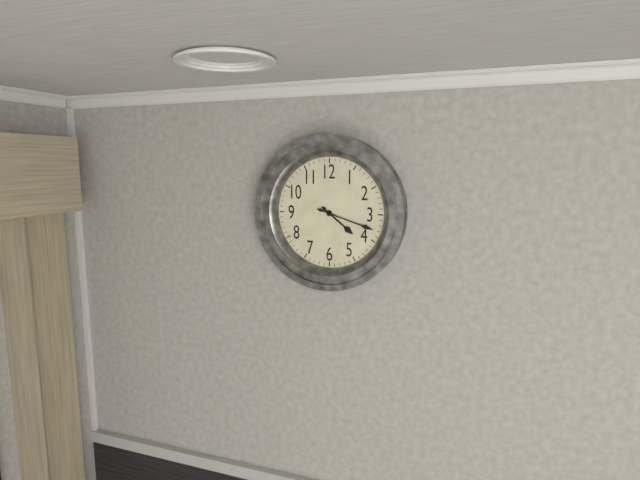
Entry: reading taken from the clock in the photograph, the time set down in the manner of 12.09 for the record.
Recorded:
4.18
